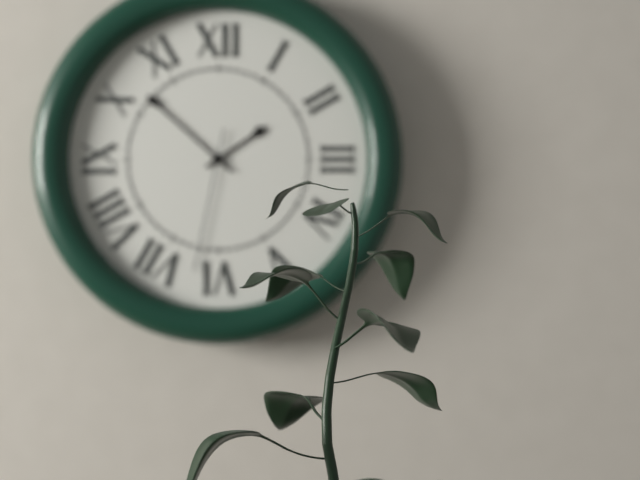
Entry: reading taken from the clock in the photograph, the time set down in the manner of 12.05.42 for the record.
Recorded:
1.52.32
